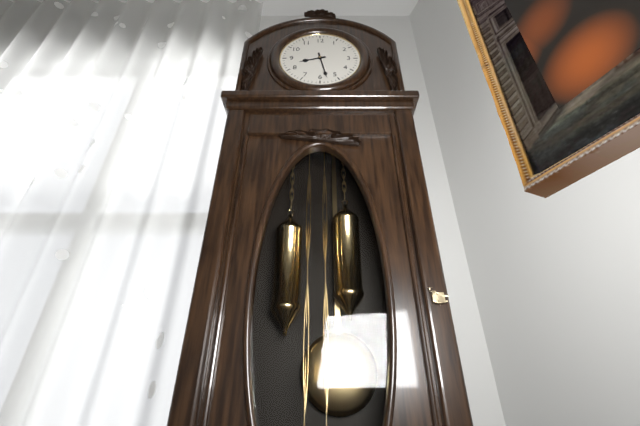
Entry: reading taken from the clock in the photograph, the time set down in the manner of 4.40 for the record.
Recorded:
8.28
